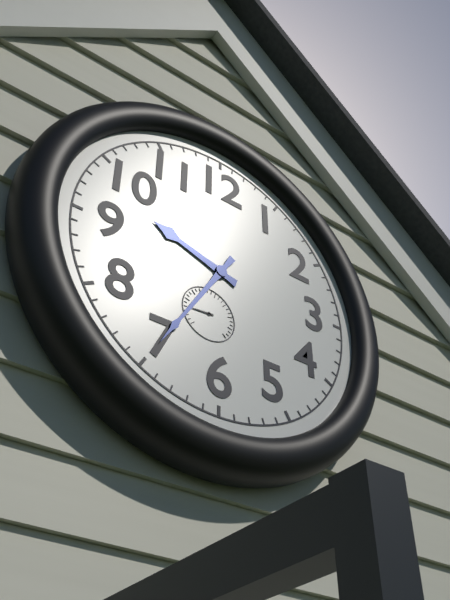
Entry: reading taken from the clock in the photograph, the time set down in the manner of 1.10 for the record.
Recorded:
9.35
